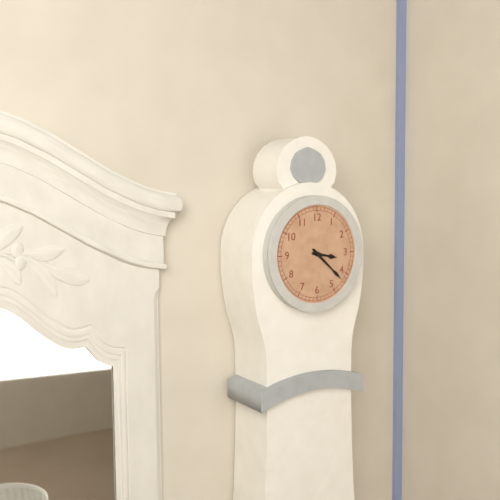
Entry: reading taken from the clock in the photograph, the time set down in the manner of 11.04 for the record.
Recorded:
3.22
